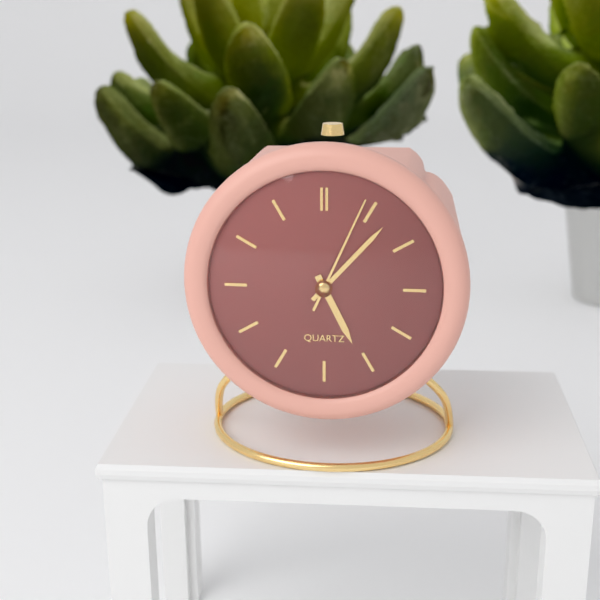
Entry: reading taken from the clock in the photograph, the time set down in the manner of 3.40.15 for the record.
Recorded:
5.07.04
